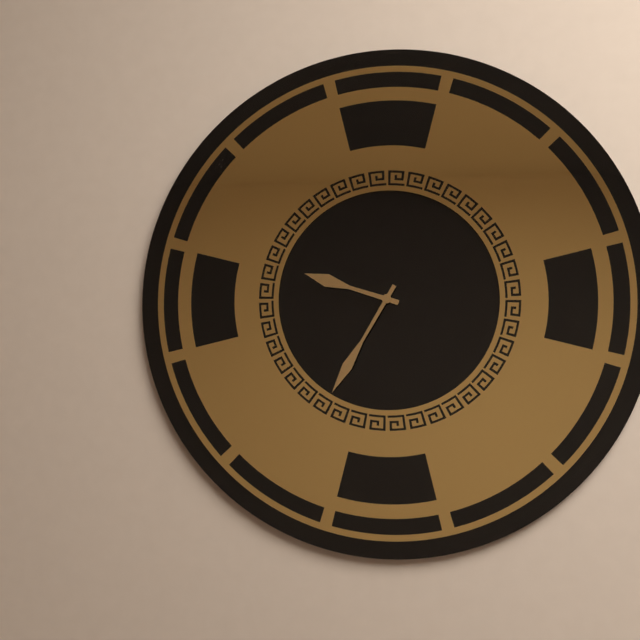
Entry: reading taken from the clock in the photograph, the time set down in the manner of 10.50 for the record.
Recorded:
9.35
